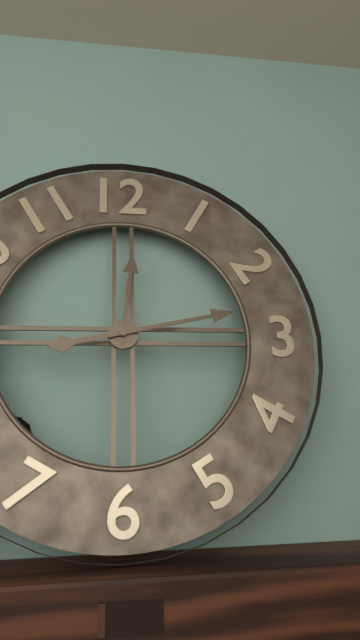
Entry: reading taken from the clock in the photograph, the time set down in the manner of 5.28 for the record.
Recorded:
12.13
